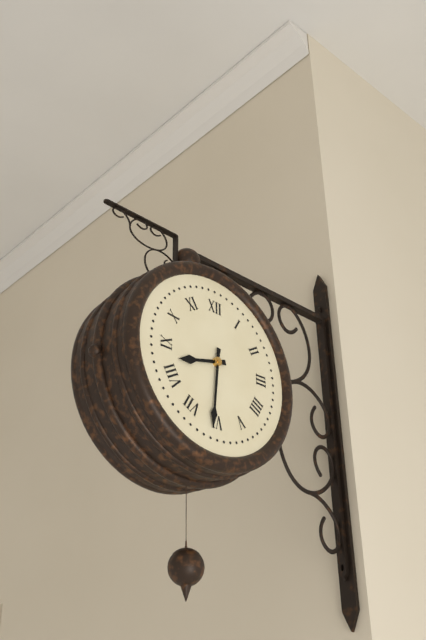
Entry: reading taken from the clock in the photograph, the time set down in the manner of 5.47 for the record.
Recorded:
8.31
